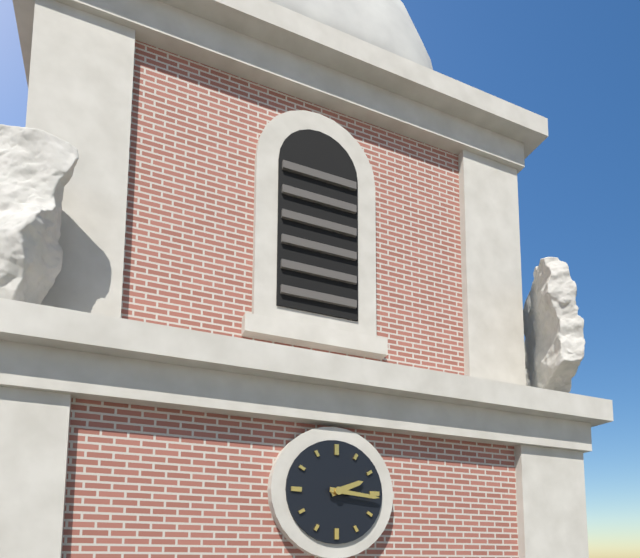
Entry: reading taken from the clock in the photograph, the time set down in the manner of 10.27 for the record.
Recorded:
2.16
